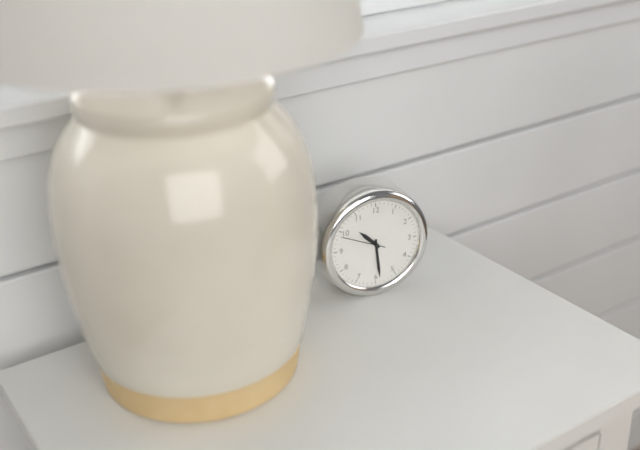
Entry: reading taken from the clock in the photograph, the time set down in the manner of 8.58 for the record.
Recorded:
10.29
